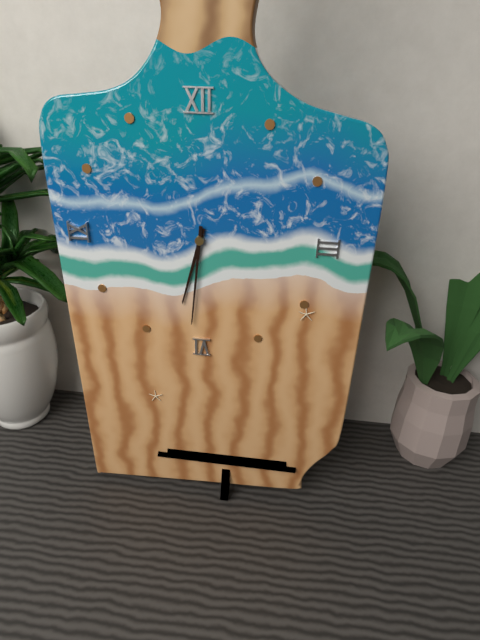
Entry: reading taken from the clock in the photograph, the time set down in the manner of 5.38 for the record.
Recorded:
6.31
